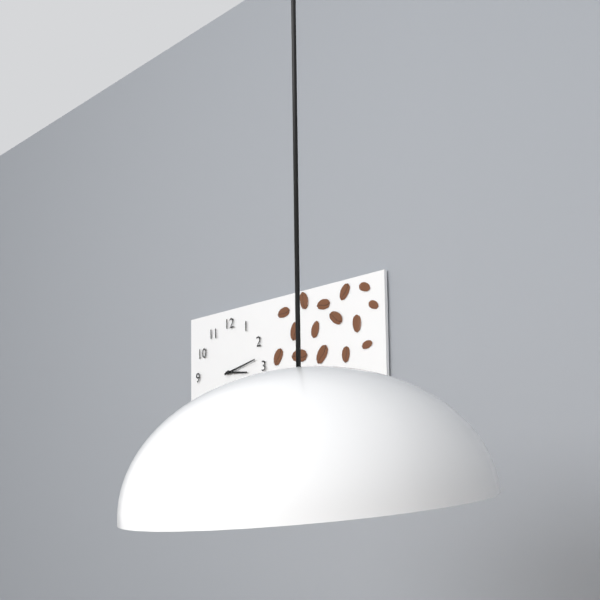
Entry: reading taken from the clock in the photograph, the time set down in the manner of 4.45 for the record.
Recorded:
3.13
